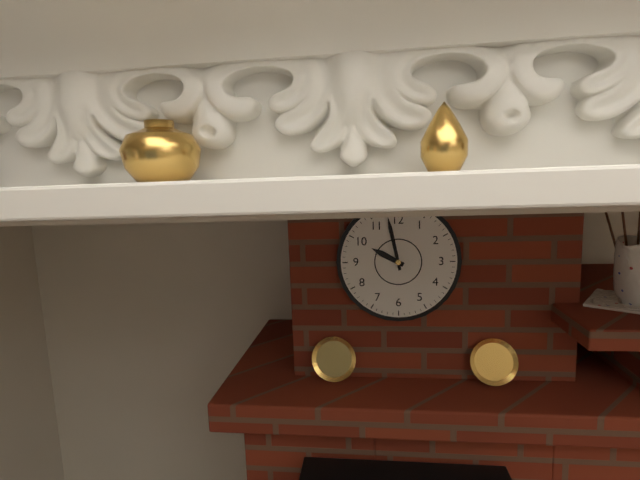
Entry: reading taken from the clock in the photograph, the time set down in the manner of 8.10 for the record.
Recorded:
9.58
